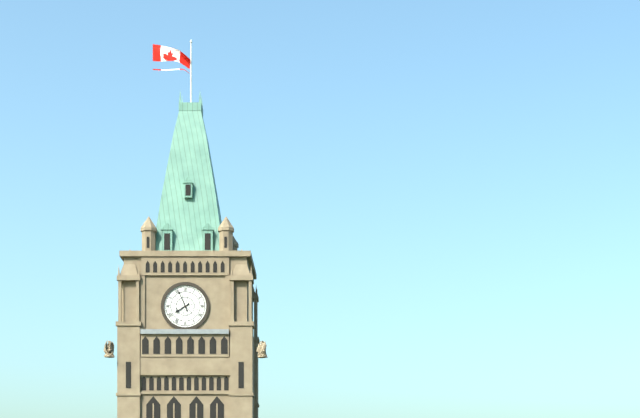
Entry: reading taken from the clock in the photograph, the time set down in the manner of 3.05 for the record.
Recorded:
7.56
